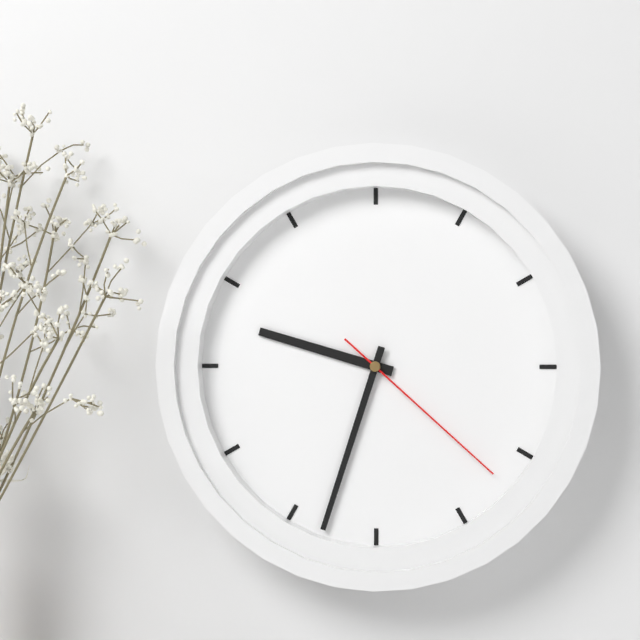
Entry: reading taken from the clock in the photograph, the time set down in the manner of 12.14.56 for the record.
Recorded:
9.33.22
